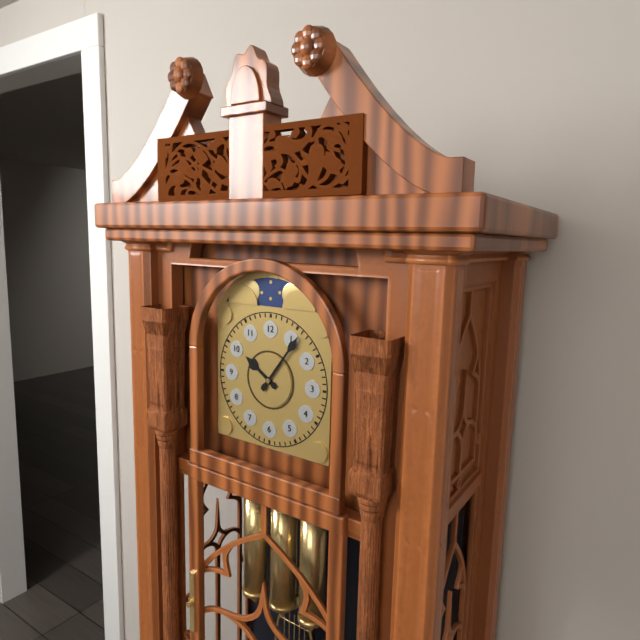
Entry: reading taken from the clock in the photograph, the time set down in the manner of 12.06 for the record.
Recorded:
10.06
